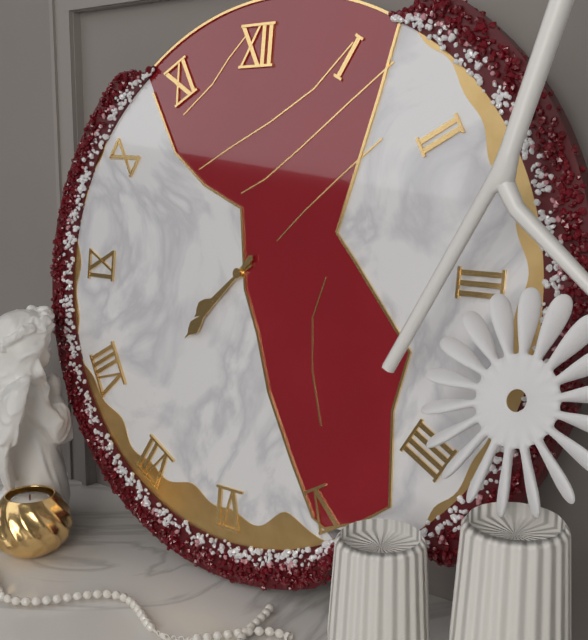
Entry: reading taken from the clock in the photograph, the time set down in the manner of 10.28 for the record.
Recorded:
7.37
